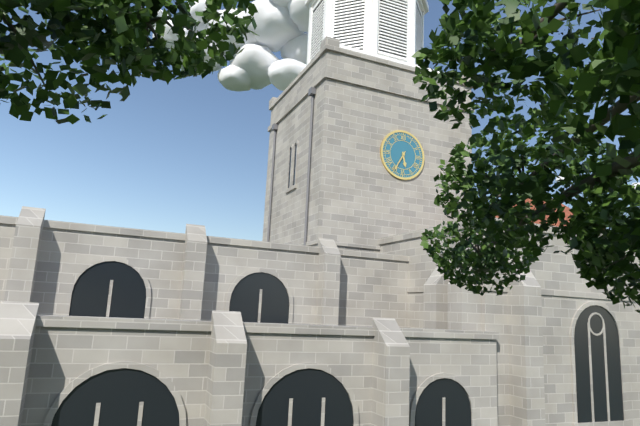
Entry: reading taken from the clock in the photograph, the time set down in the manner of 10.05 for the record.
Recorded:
5.35
